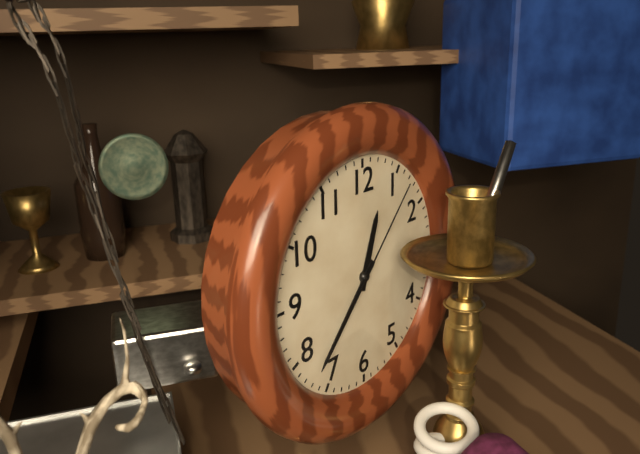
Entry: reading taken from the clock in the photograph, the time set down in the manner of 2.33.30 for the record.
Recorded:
12.37.07
